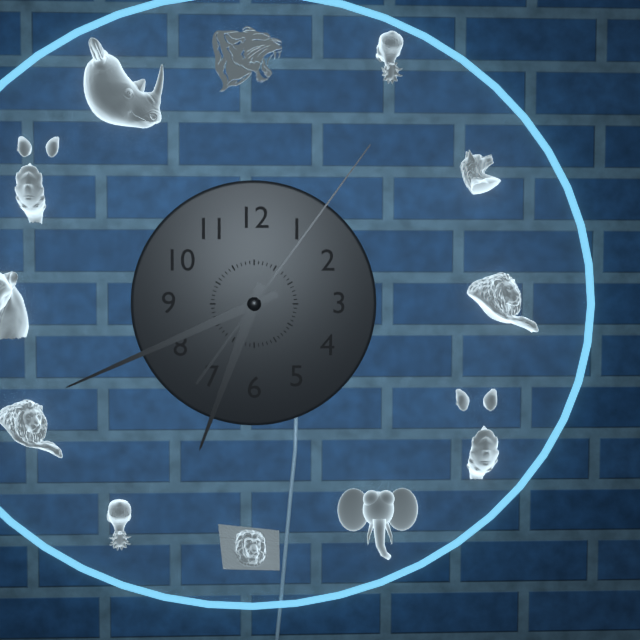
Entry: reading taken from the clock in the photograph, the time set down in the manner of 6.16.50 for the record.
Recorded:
6.41.06
